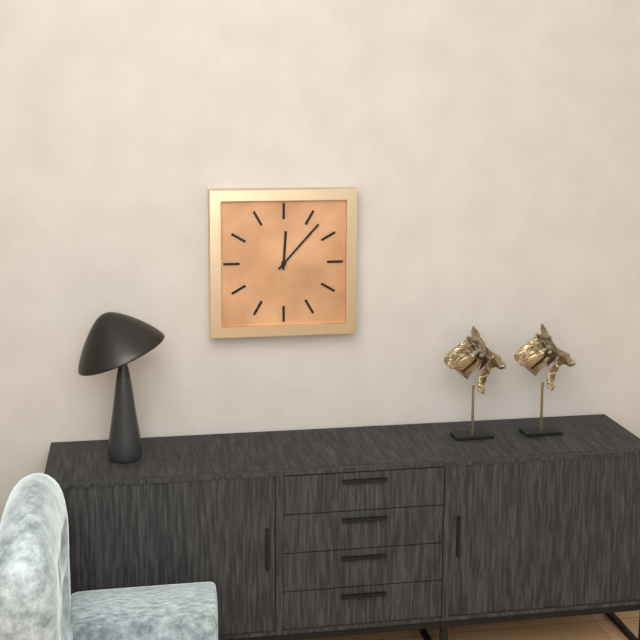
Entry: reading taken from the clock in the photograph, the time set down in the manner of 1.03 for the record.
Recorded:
12.07
